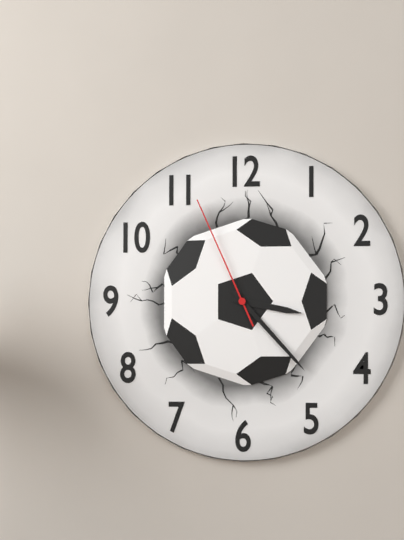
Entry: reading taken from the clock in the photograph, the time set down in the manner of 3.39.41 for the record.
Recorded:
3.23.56
